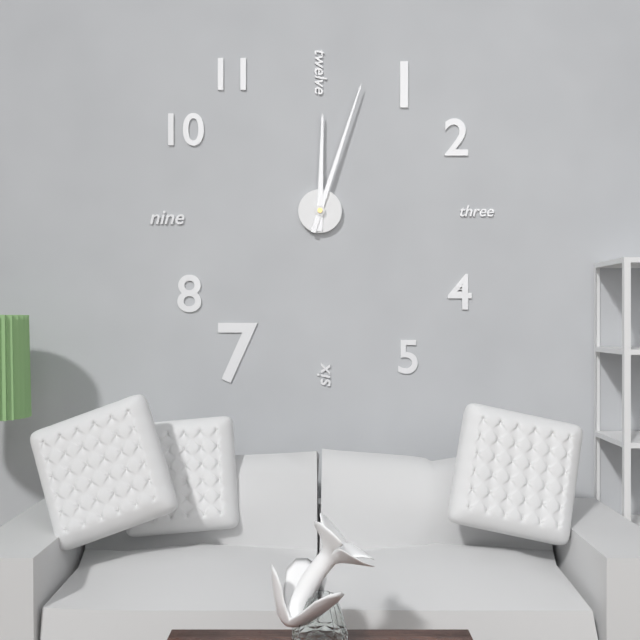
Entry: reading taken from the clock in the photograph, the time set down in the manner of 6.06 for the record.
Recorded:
12.03
